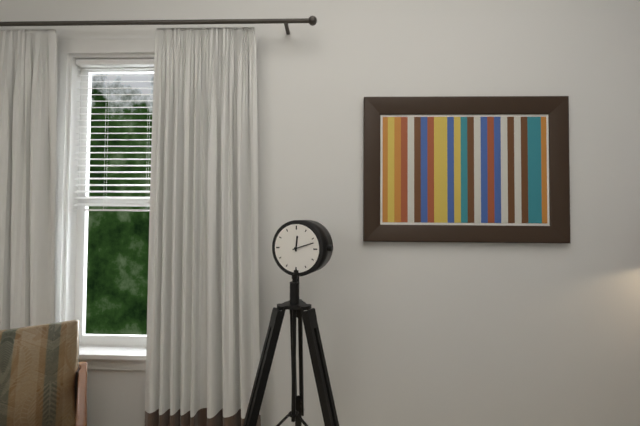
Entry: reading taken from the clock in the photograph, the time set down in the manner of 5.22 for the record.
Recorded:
12.12
